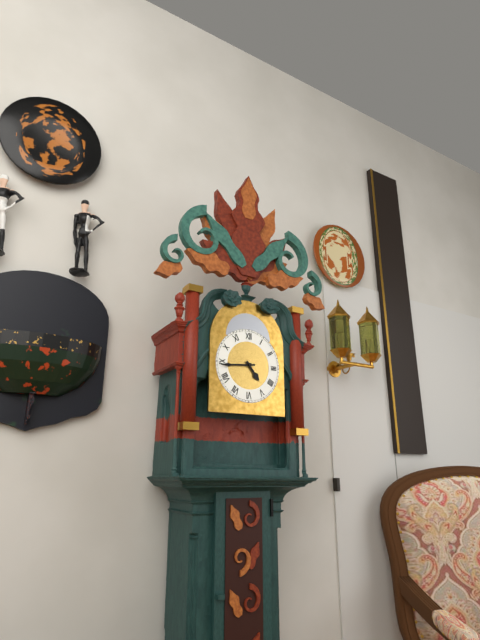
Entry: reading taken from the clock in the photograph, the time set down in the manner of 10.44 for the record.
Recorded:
4.44
